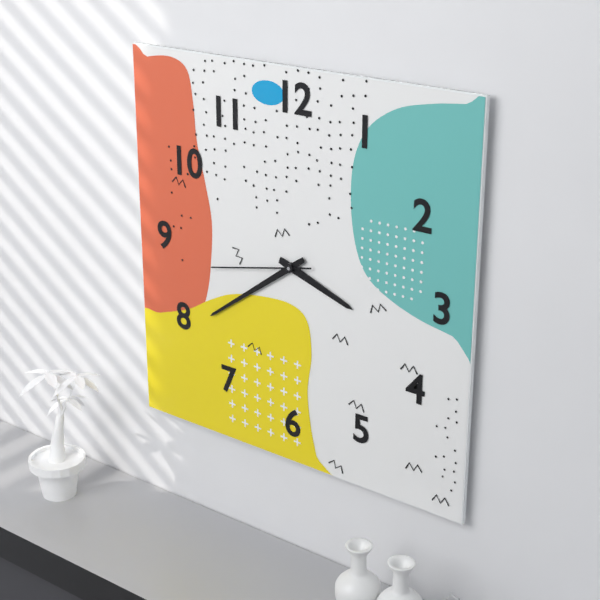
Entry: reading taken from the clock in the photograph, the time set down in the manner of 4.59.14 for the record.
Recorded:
3.39.43
